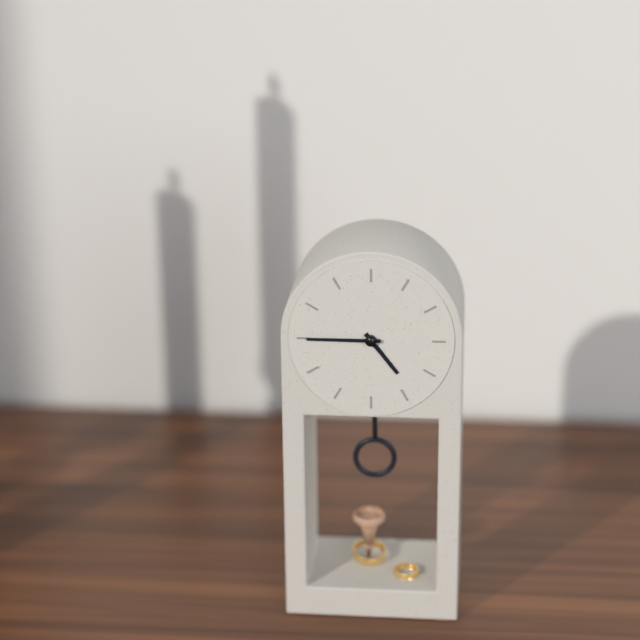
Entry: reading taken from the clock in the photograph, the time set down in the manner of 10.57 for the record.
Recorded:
4.45
